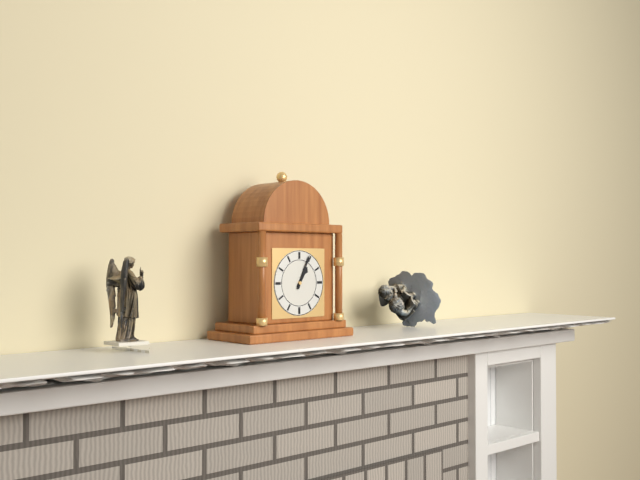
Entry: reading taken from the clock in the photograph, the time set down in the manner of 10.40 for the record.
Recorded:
1.04
